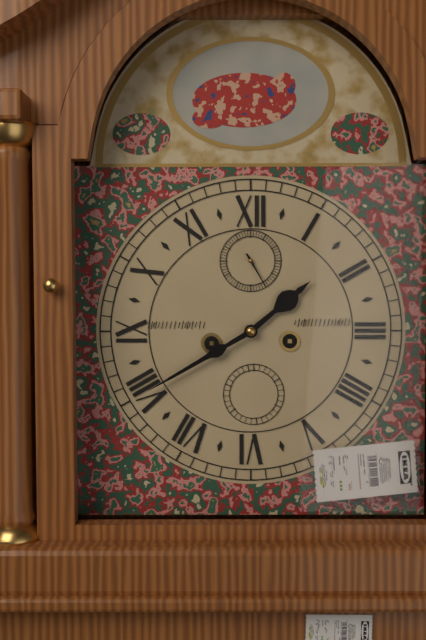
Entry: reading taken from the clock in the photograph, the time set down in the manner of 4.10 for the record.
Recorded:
1.40
